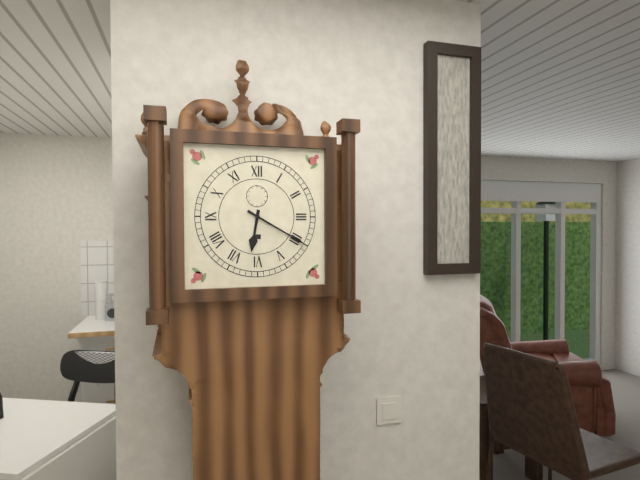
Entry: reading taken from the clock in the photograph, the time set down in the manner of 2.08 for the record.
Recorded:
6.20
